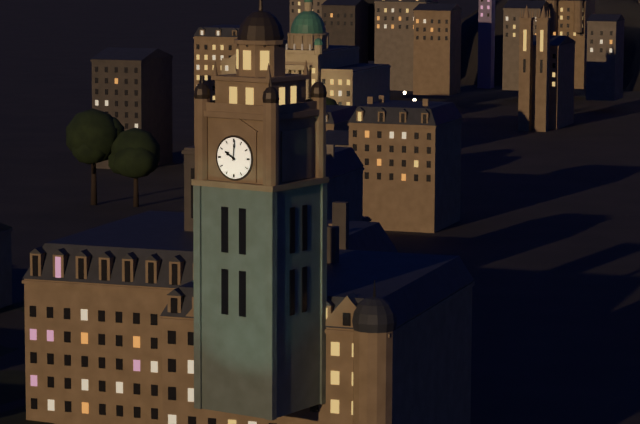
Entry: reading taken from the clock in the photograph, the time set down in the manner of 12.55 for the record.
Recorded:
10.01
